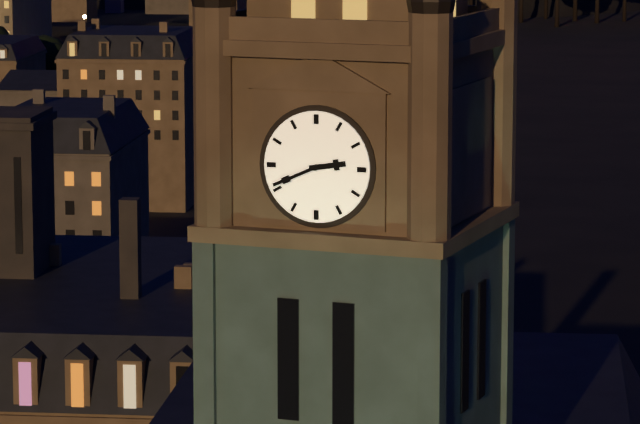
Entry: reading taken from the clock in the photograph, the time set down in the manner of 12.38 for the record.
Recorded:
2.41
